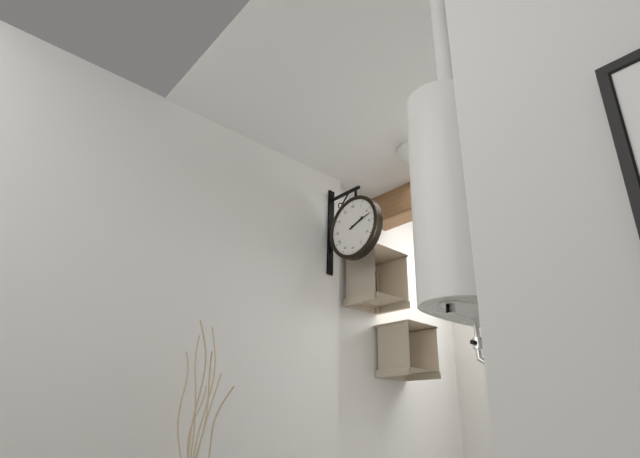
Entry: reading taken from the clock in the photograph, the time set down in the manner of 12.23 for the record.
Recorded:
2.12
